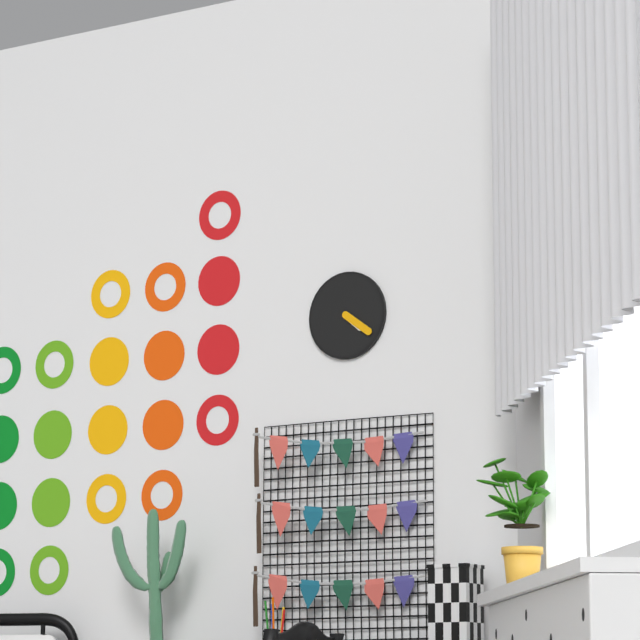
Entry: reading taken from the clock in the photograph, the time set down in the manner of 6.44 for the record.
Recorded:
4.21
